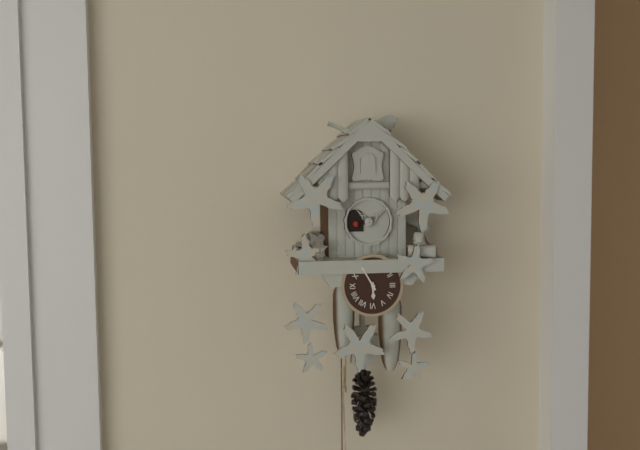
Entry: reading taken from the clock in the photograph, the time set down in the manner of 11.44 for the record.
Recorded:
5.55
